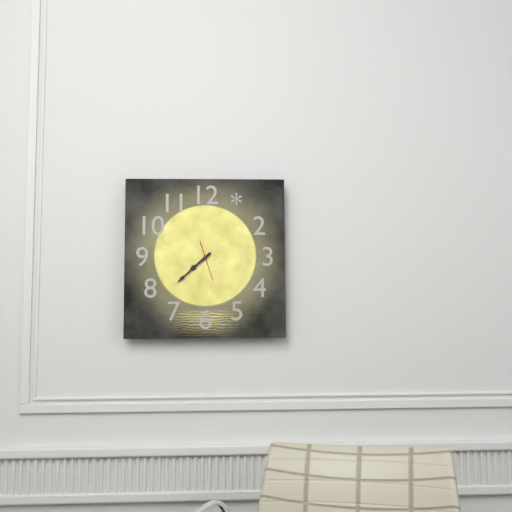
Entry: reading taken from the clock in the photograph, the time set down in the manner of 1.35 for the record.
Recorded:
7.38
